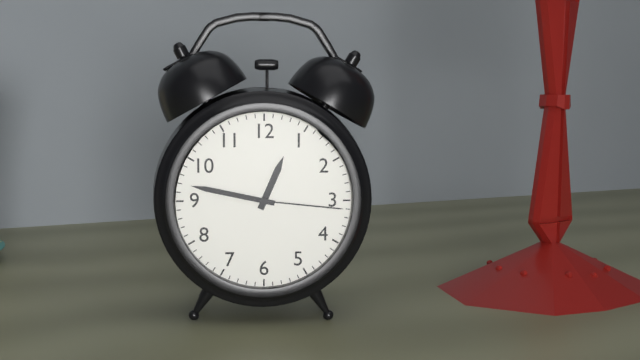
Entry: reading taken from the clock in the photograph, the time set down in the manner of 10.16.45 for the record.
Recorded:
12.47.16
